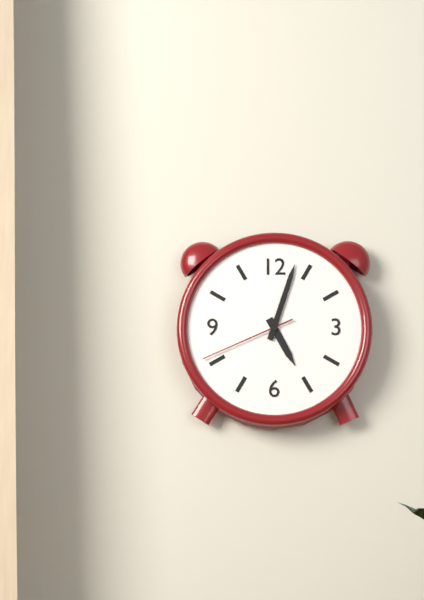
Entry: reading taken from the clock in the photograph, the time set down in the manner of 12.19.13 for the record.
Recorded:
5.03.41
